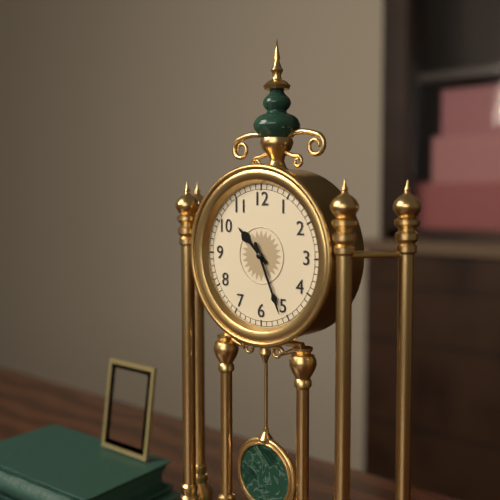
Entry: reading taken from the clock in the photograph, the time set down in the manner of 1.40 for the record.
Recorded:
10.26
